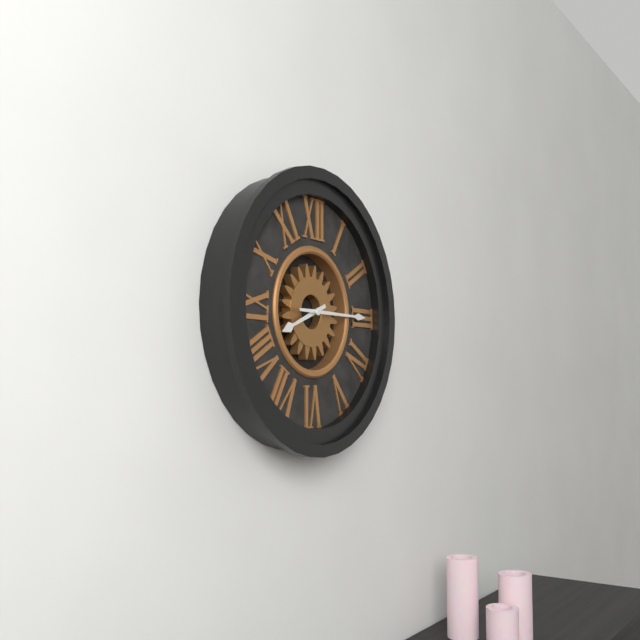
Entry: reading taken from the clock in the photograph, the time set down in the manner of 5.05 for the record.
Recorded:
8.15
